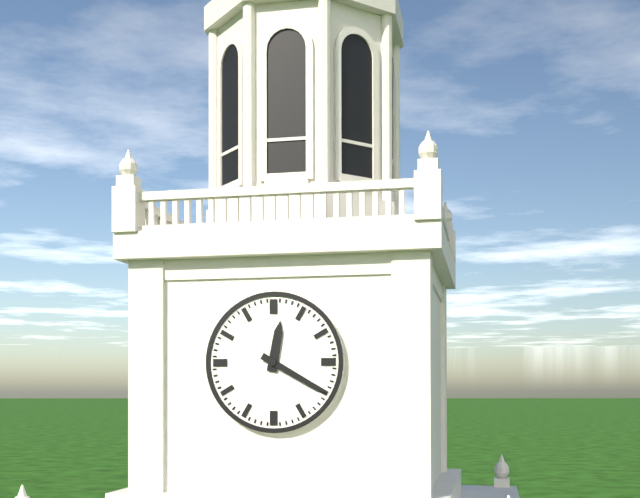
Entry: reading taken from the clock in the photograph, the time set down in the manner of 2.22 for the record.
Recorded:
12.20
